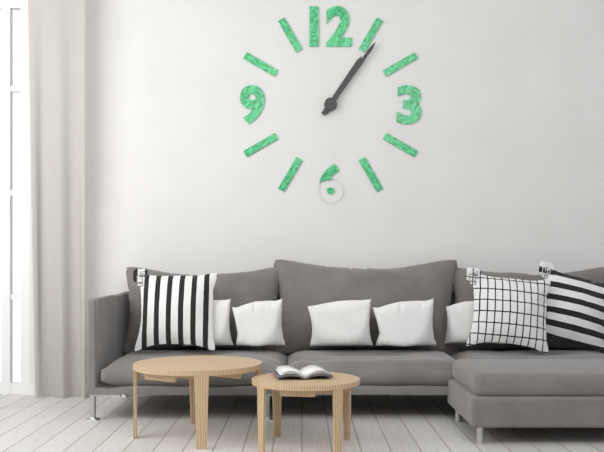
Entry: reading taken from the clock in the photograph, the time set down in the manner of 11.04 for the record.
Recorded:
1.06
